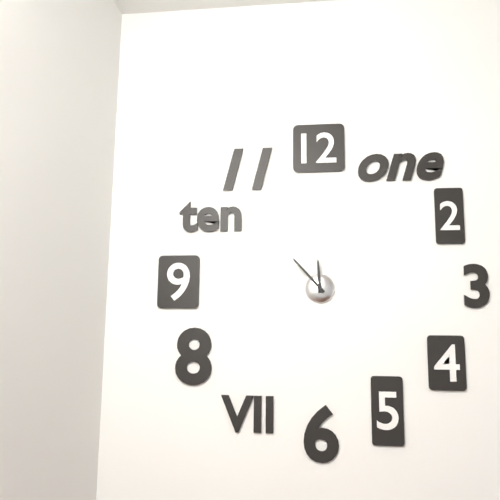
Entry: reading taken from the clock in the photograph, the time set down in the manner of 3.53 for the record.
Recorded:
11.53
